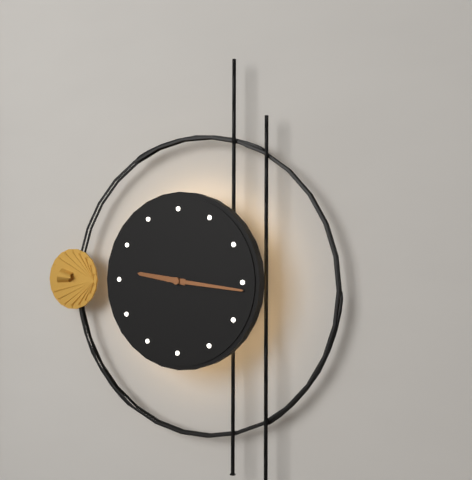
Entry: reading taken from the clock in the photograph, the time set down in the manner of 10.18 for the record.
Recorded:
9.16
